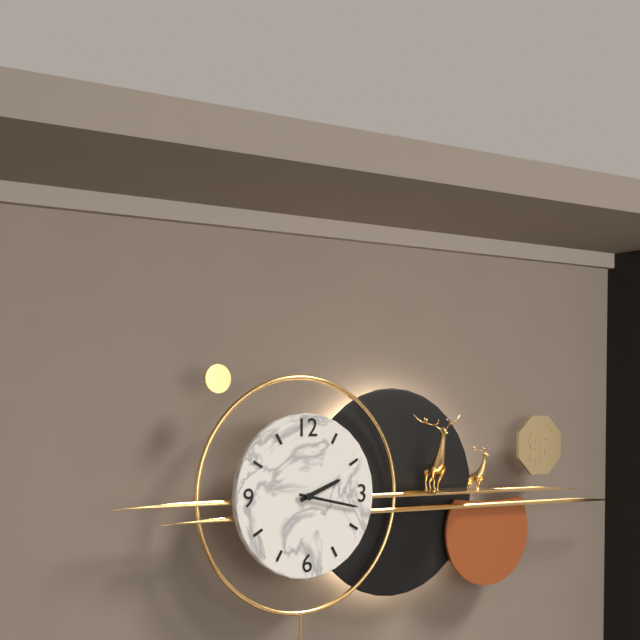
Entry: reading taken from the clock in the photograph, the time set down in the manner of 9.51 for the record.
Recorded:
2.17
